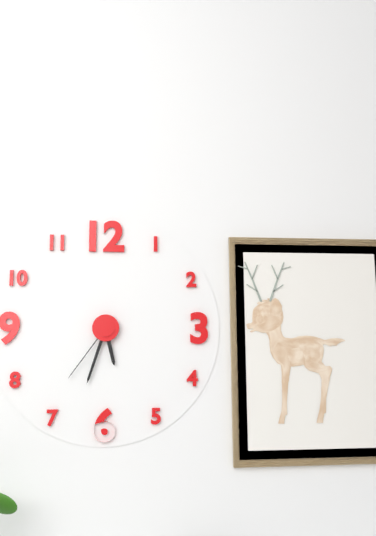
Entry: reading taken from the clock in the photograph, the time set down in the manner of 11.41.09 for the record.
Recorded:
5.33.36
